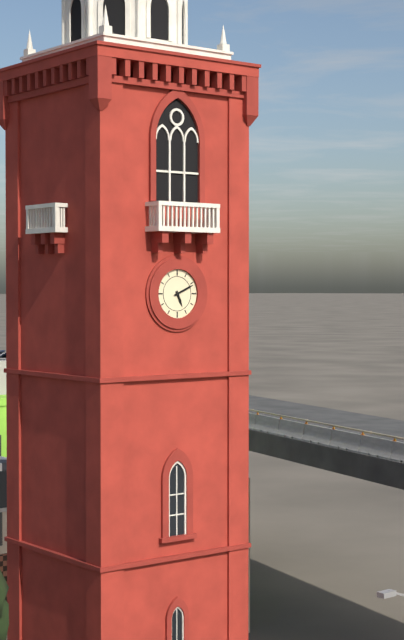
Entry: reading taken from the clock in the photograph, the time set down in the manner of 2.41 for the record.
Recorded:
5.11
